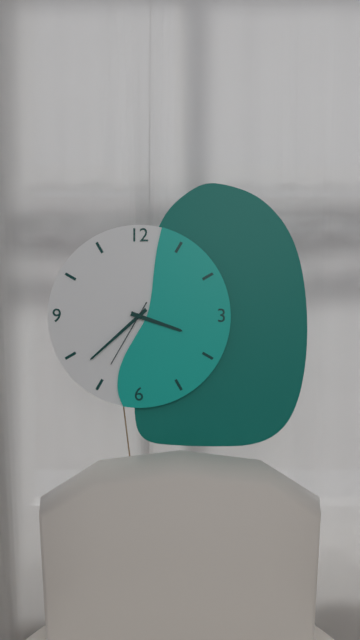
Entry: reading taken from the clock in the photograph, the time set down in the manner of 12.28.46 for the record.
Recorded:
3.38.35
